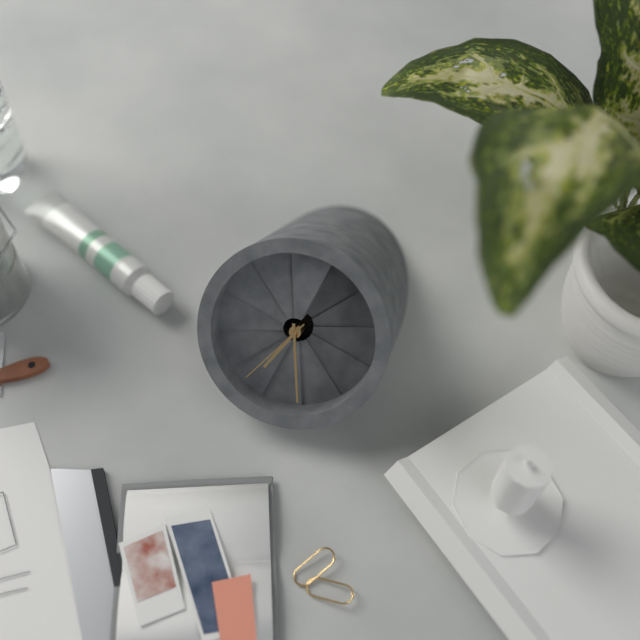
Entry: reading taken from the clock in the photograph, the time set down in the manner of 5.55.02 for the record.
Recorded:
6.25.33
